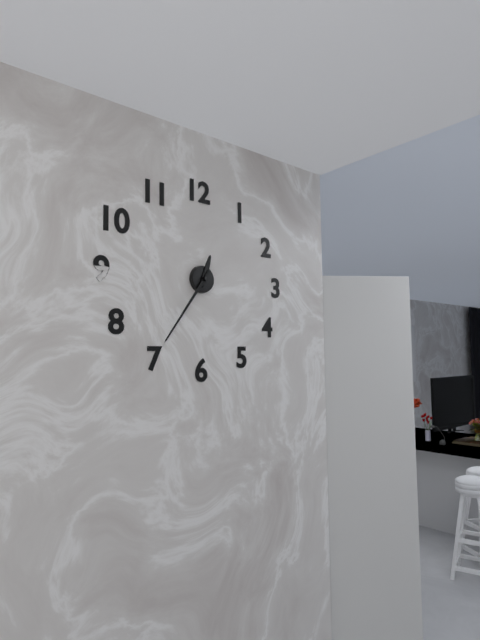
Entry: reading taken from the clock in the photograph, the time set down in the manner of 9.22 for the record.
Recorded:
12.36
